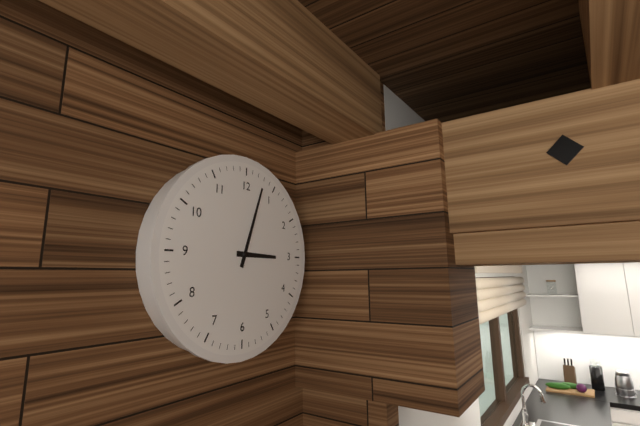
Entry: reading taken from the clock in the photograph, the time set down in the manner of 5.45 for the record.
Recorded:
3.03
